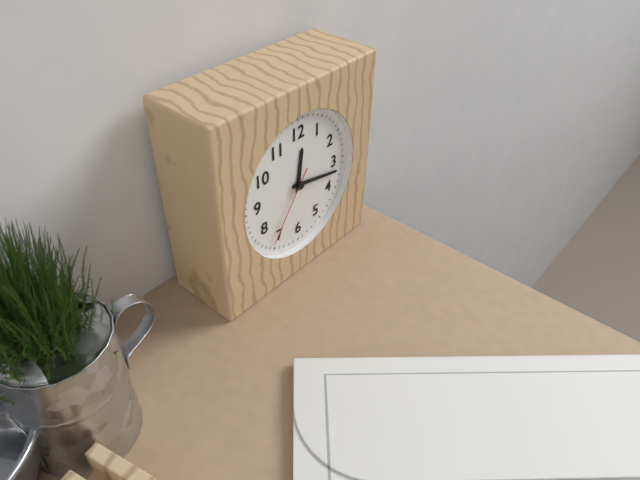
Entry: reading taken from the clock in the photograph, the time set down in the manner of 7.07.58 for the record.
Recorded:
12.17.36
